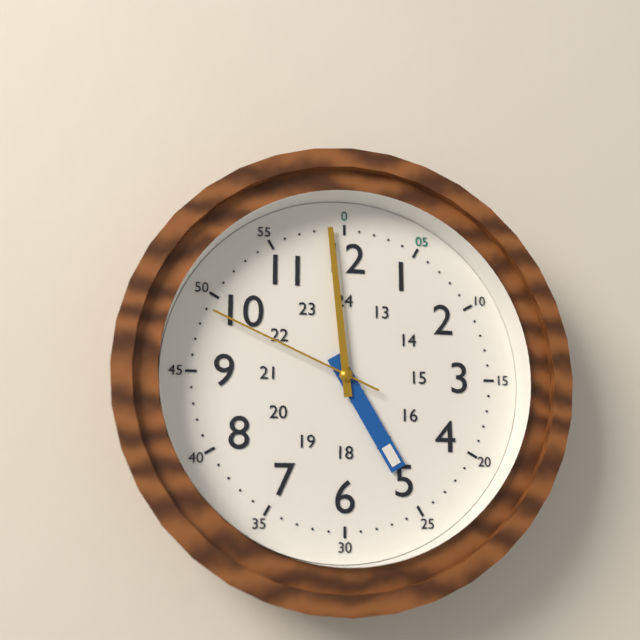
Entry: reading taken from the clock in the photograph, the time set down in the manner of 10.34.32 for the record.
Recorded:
4.59.49
